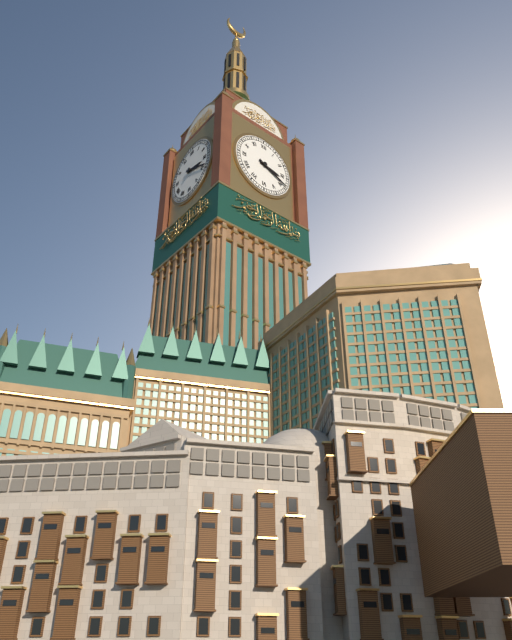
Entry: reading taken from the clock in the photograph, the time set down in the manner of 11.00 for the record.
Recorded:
3.19
